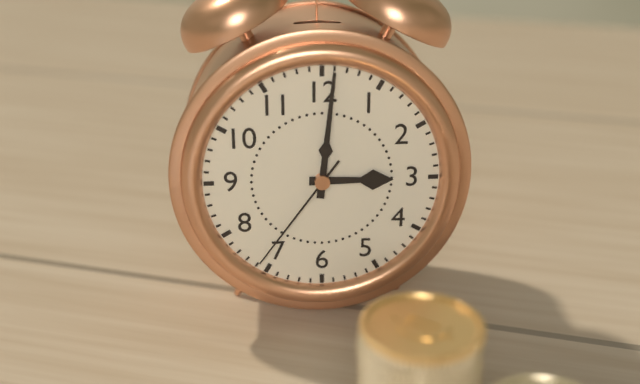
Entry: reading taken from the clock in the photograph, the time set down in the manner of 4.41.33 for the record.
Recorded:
3.01.36
